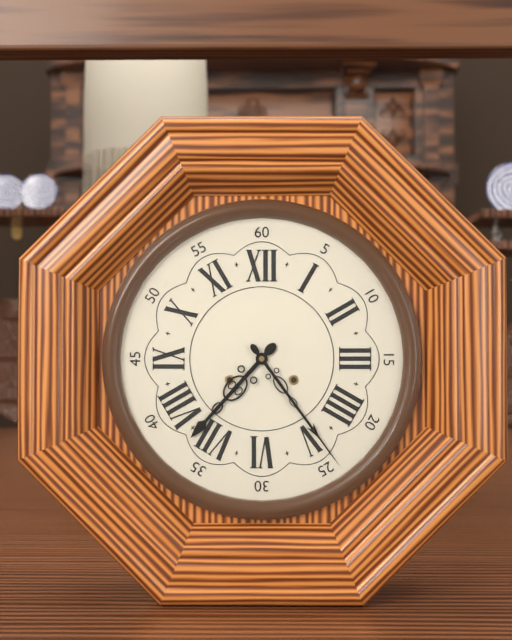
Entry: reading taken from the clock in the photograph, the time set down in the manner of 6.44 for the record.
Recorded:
7.24
